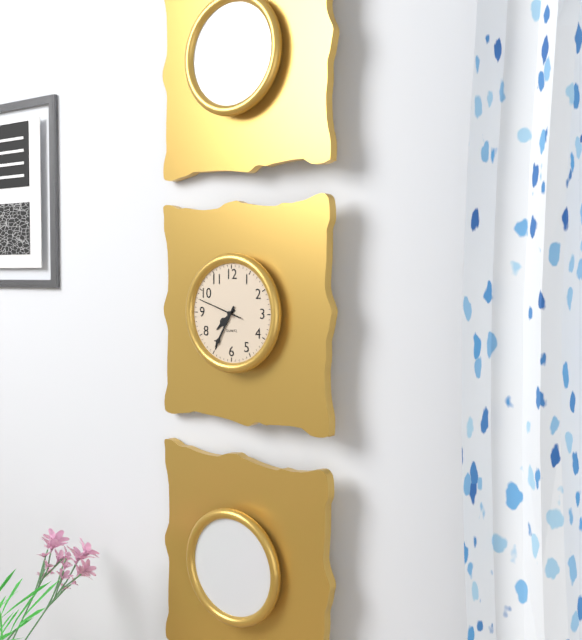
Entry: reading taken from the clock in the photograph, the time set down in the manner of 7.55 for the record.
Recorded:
7.35
